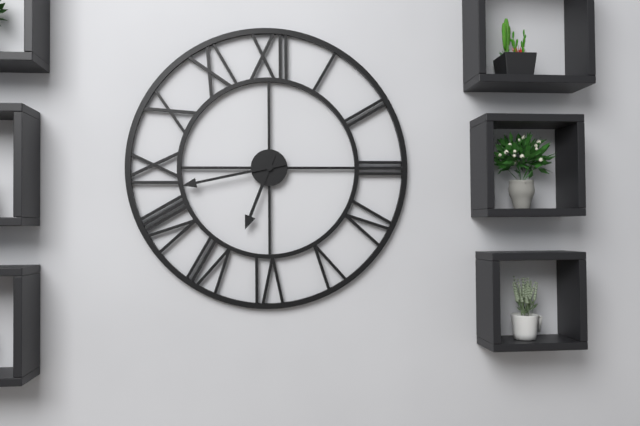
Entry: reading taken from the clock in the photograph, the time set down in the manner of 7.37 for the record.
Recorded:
6.43
